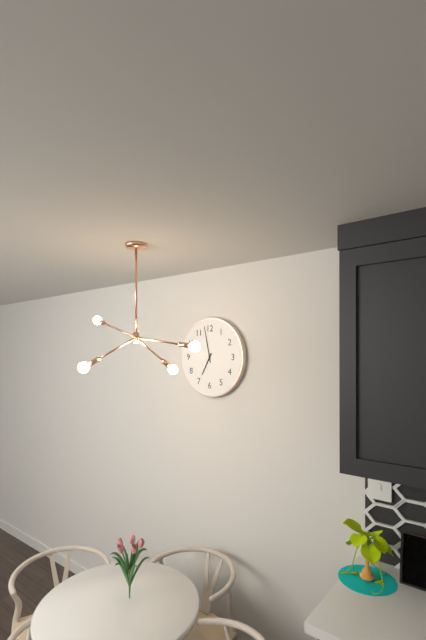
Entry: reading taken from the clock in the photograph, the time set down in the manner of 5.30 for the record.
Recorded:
6.58
